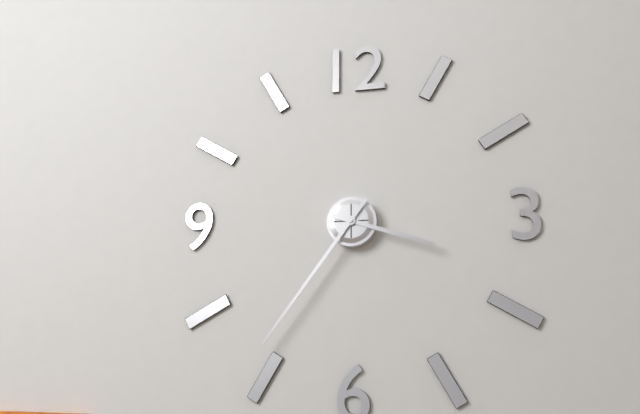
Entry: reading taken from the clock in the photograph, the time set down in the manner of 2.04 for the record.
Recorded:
3.36
